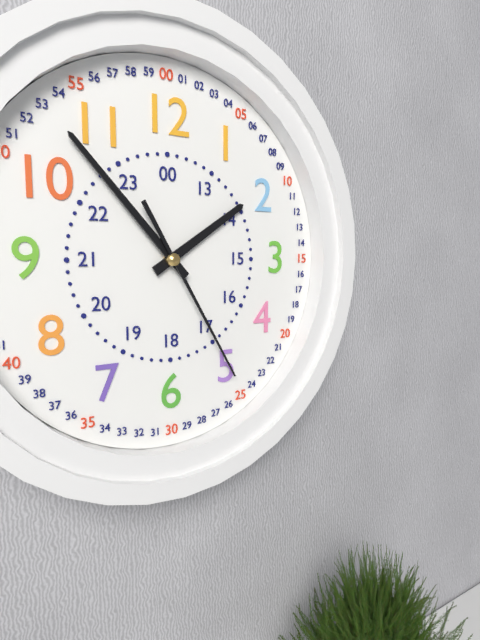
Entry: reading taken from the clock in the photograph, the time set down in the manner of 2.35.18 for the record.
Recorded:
1.53.25
